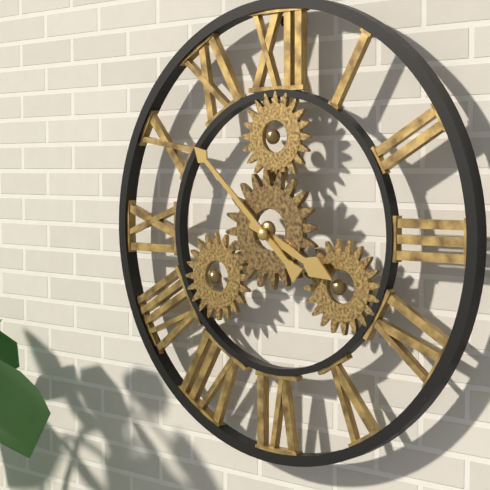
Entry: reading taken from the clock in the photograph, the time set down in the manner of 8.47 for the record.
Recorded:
3.52
